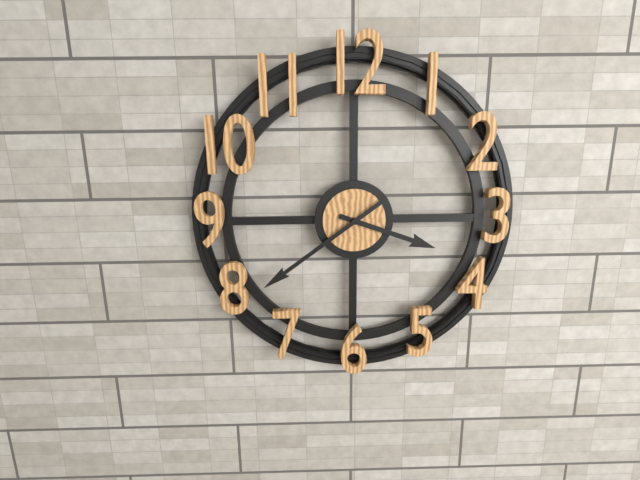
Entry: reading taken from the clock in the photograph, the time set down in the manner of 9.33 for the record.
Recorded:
3.39
